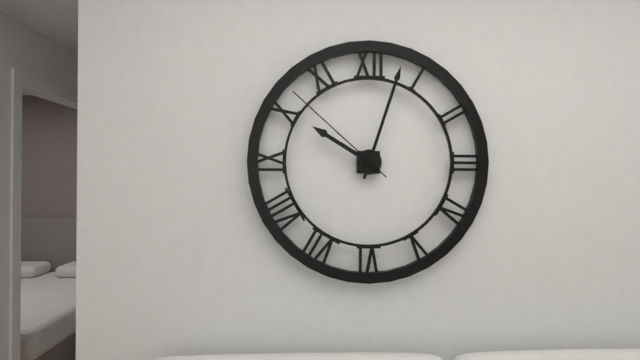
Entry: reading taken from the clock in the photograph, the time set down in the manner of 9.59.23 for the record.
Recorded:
10.03.52
